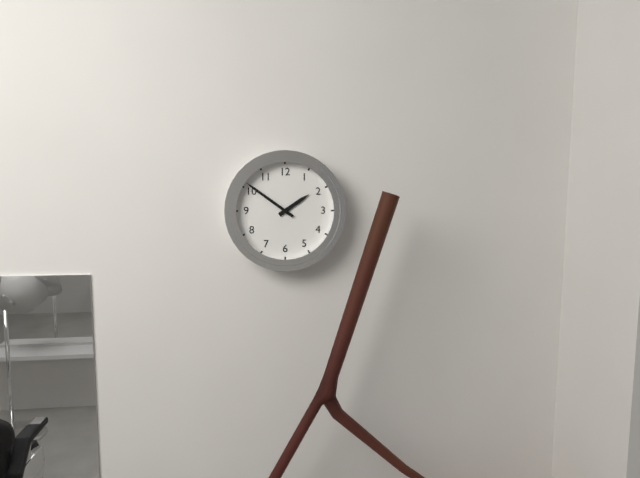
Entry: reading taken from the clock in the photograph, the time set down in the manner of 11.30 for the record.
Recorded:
1.51
